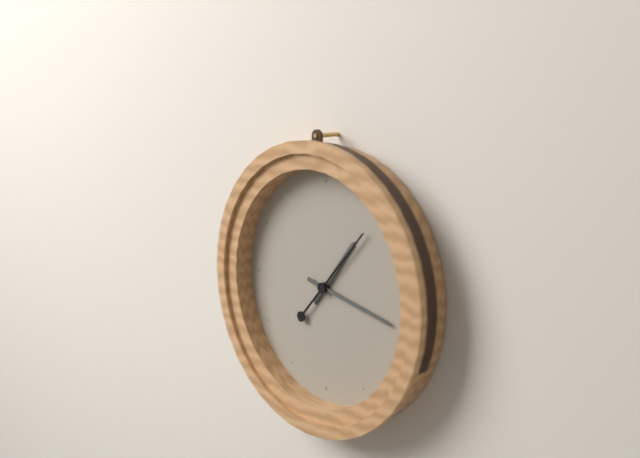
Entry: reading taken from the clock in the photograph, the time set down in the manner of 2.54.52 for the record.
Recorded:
1.17.07
